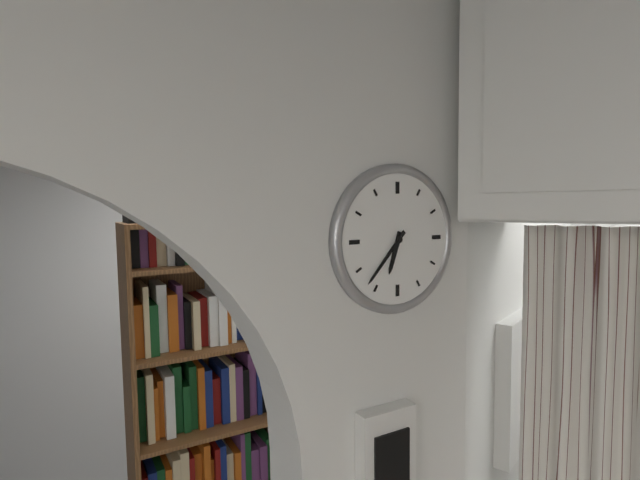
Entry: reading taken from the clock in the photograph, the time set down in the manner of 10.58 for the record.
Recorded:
6.37
